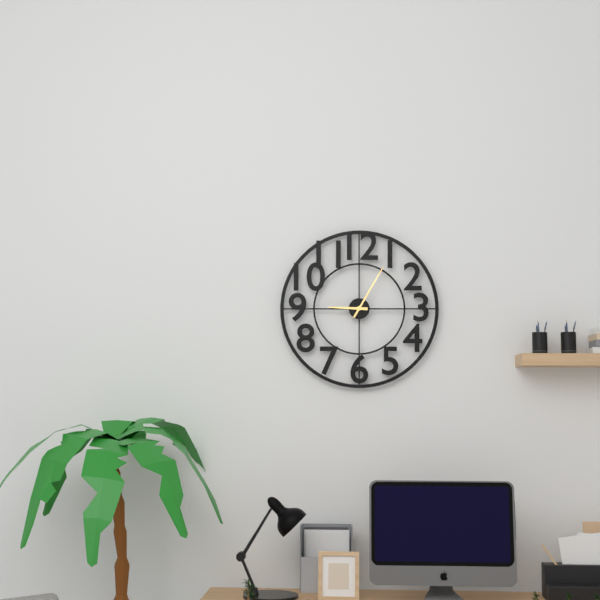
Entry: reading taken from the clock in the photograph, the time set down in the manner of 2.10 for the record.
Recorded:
9.05
